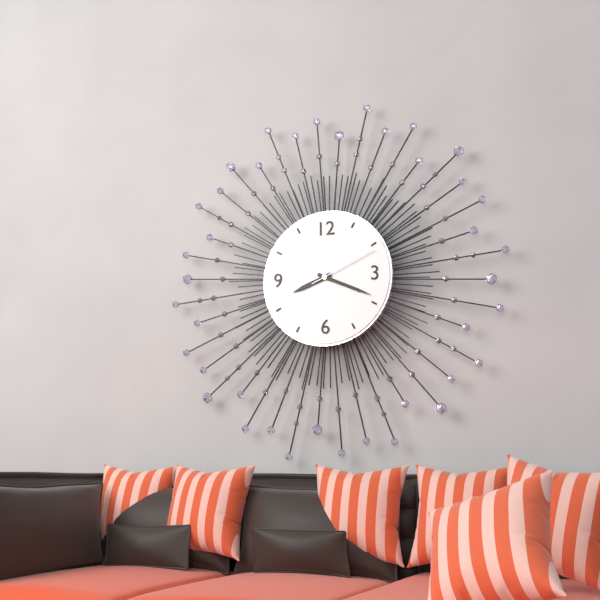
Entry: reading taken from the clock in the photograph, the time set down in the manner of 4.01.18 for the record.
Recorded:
8.19.11
